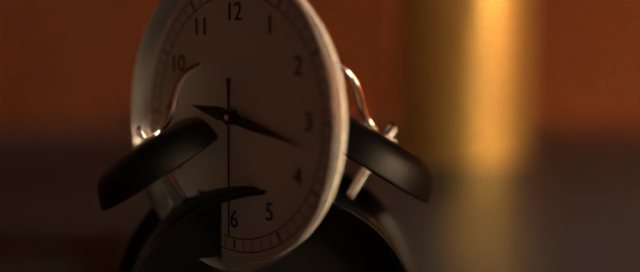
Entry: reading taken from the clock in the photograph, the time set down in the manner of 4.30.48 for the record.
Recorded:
9.17.30
